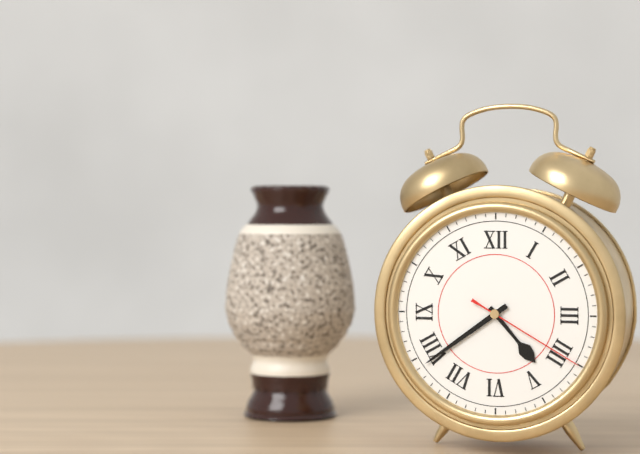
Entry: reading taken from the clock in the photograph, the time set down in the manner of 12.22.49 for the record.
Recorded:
4.39.20
